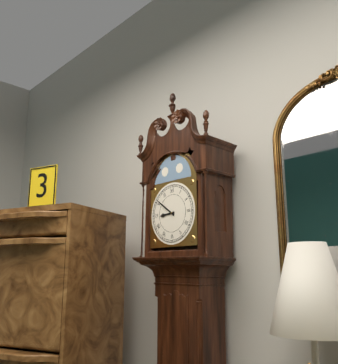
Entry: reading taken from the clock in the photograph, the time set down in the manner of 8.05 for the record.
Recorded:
8.51
